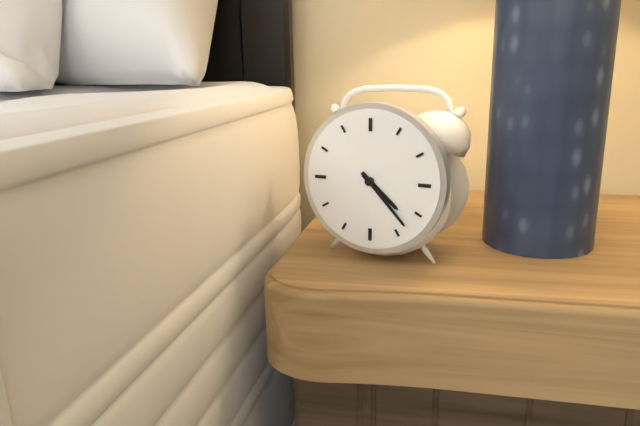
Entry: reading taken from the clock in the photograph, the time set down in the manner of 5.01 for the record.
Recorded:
4.23
